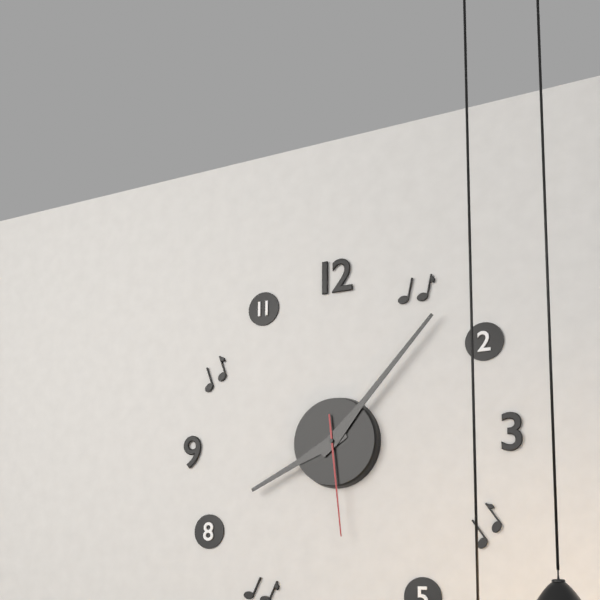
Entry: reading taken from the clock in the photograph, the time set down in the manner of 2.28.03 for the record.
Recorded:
8.07.29
